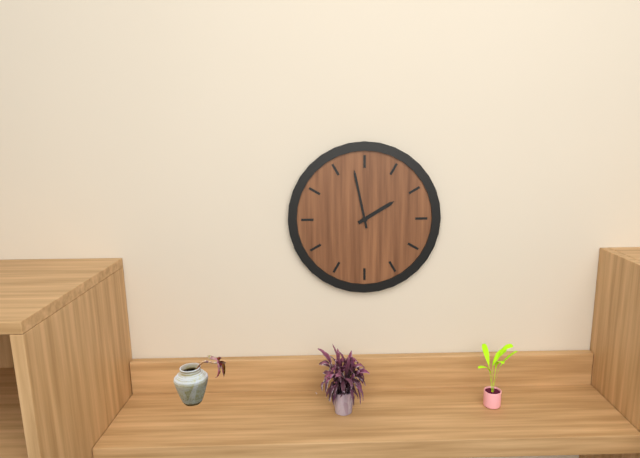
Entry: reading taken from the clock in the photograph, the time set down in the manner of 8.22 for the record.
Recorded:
1.58
